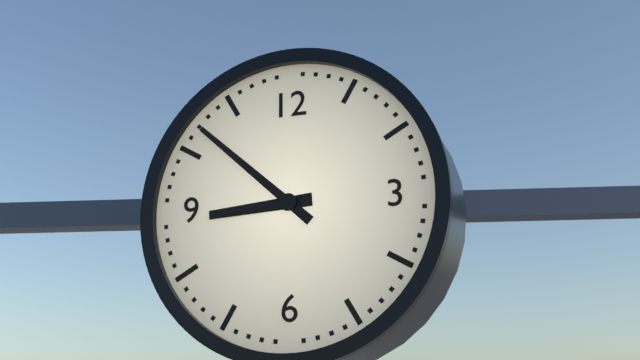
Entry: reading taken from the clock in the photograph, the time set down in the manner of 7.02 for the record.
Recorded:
8.52
